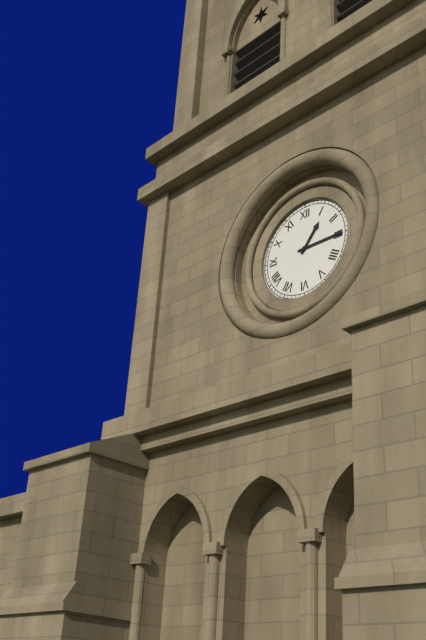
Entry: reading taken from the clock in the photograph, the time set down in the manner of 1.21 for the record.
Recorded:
1.15
